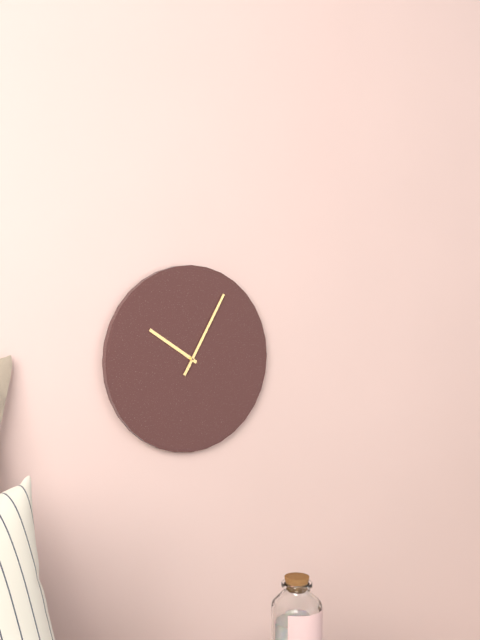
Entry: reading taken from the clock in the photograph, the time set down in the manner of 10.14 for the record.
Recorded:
10.05
